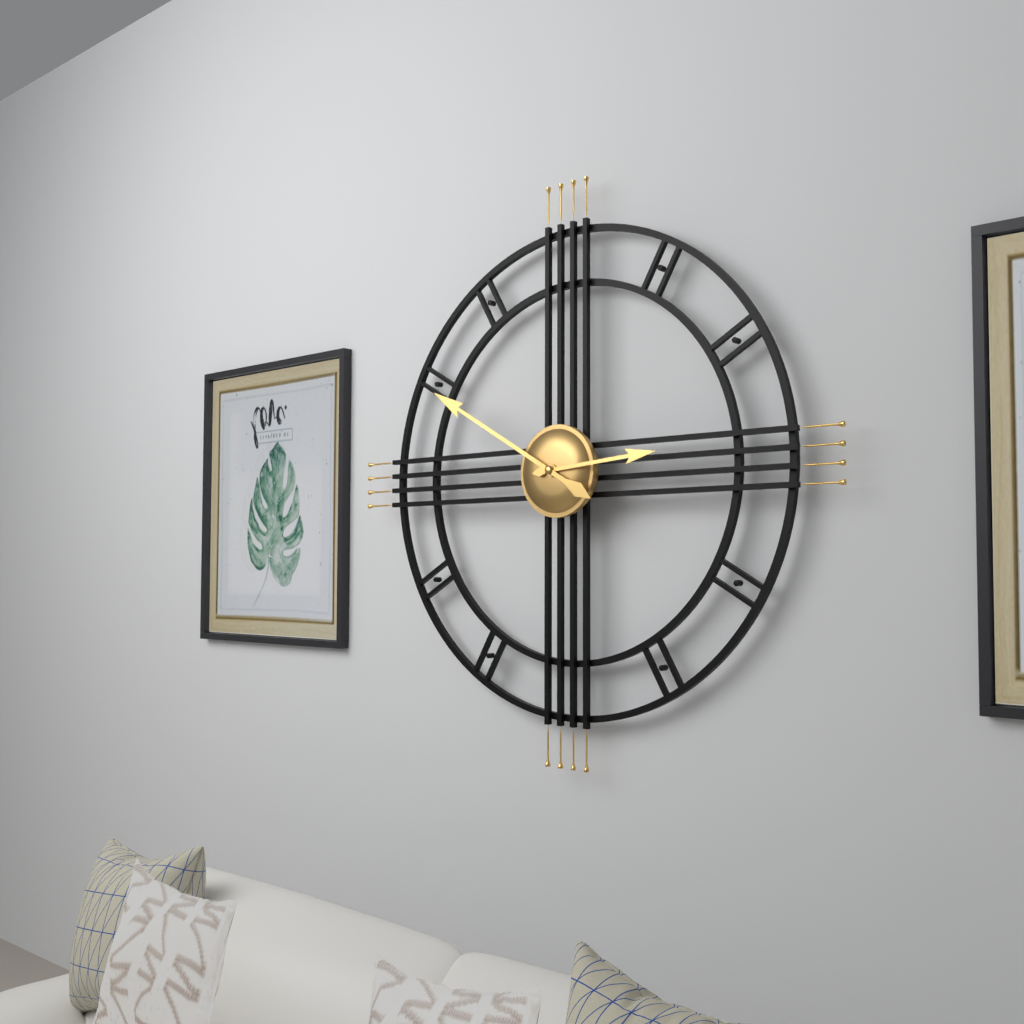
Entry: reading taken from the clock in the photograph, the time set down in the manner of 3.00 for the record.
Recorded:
2.50
